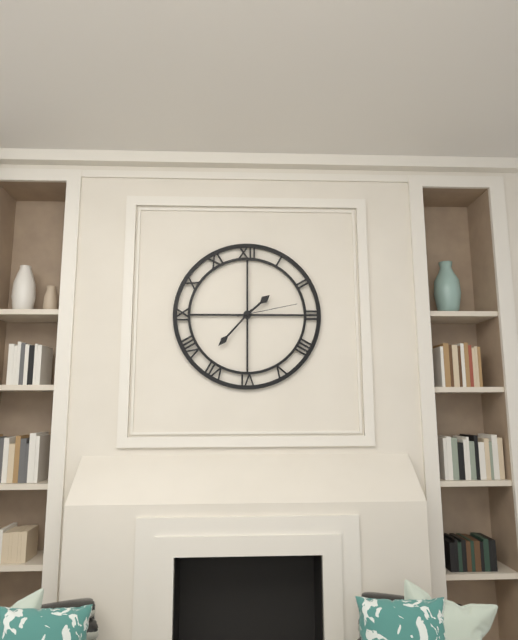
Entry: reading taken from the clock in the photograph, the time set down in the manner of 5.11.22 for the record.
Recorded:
1.37.13
